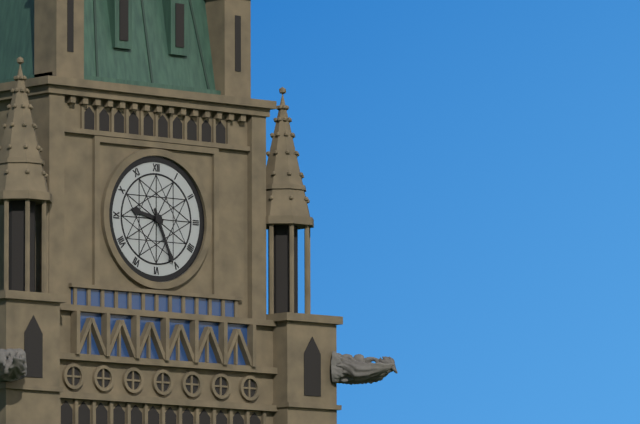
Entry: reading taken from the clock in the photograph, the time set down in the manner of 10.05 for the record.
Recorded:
9.26
